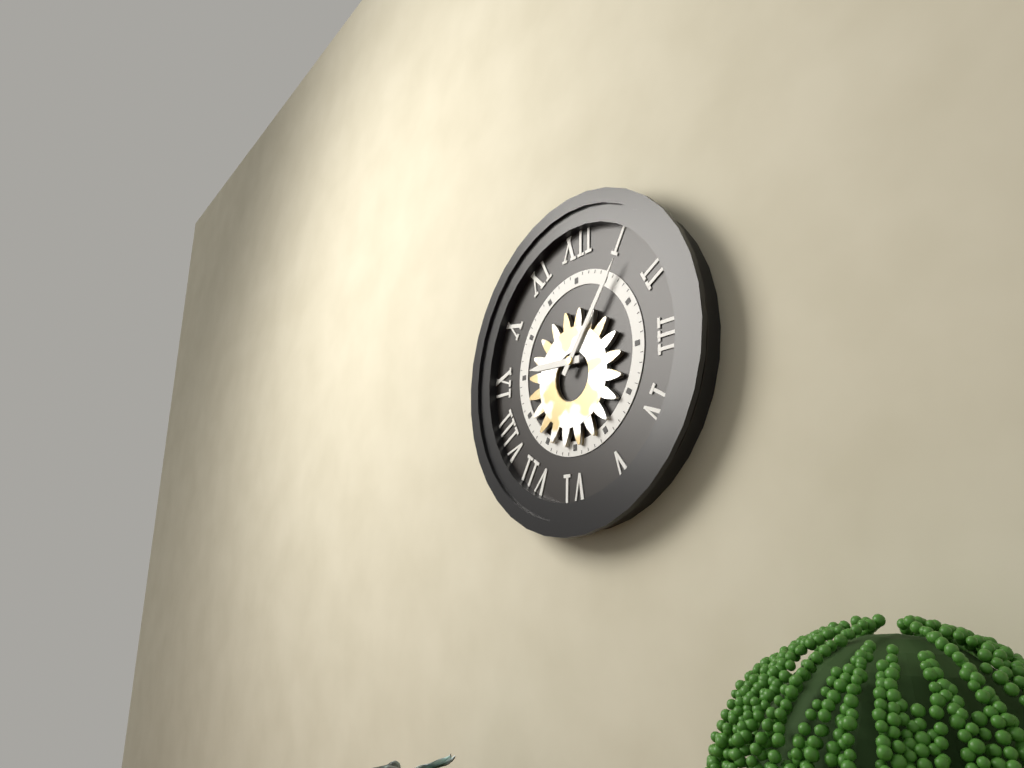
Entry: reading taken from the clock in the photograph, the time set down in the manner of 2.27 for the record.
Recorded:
9.06
